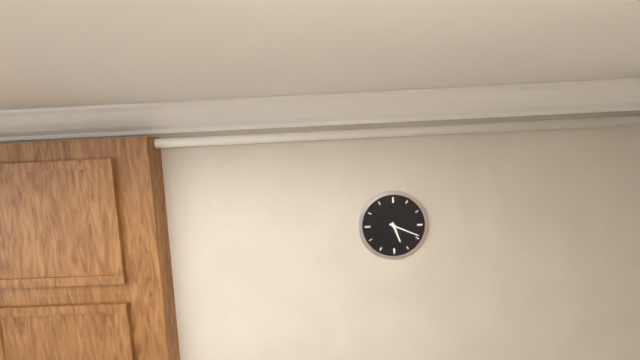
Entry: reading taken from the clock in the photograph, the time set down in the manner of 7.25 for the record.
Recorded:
5.19
